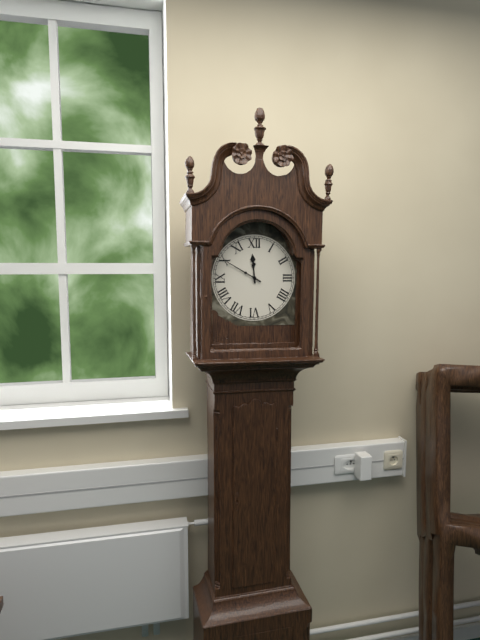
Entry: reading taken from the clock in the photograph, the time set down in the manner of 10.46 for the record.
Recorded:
11.50
